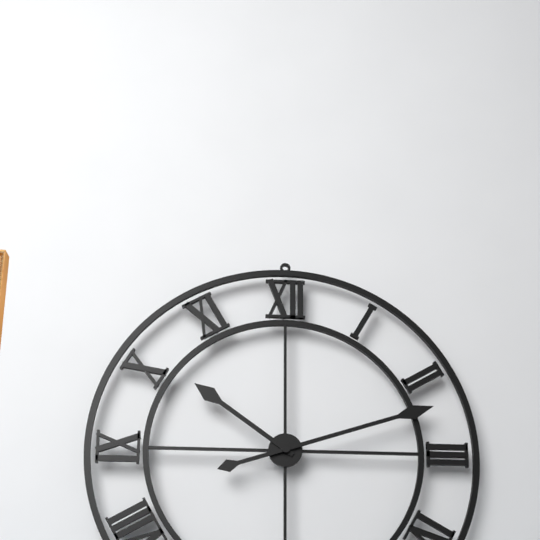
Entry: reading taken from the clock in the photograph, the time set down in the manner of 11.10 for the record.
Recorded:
10.12
